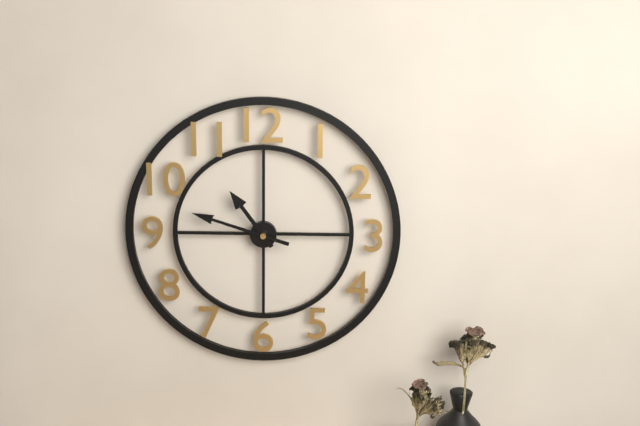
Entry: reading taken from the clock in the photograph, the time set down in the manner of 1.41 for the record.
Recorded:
10.48
